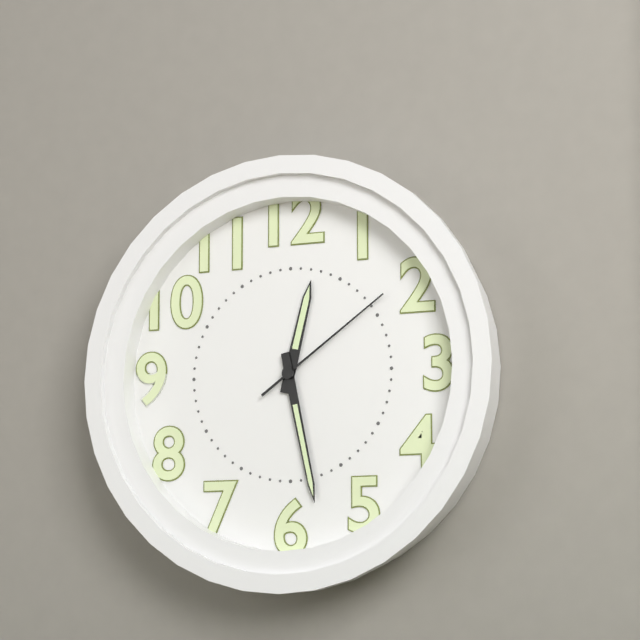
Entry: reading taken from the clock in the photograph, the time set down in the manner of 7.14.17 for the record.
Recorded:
12.28.09
